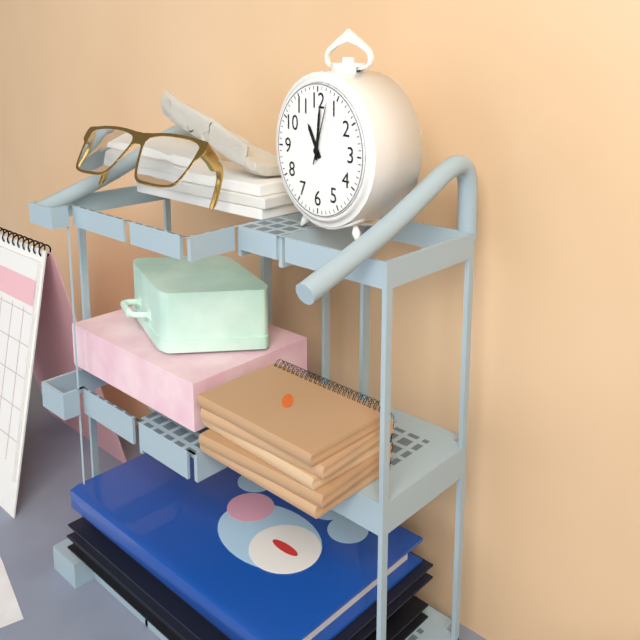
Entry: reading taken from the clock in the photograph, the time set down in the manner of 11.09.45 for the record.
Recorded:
11.01.03
